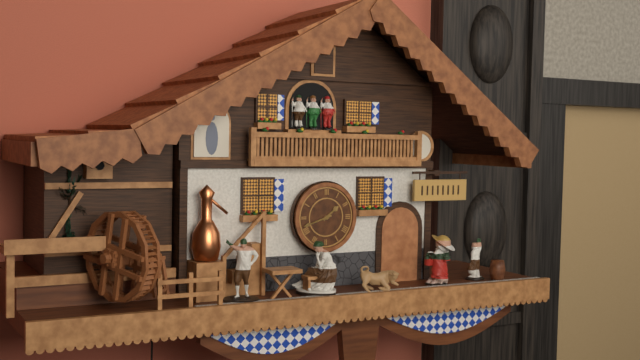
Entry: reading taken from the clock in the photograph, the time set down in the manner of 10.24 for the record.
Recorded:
1.42
